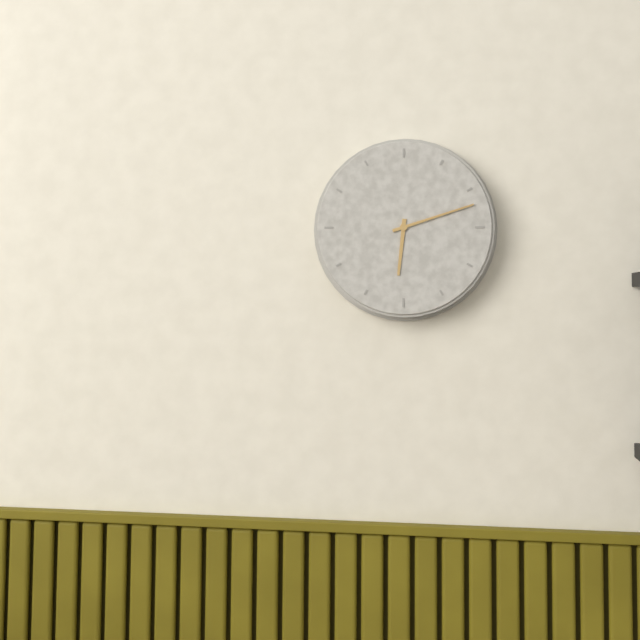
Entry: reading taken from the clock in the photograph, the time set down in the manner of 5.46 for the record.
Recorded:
6.12
